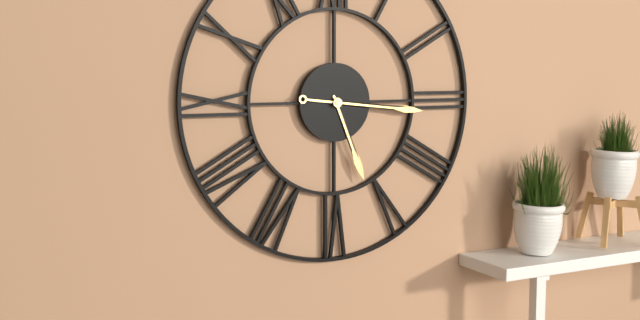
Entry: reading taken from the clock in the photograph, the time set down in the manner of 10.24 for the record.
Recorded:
5.16
